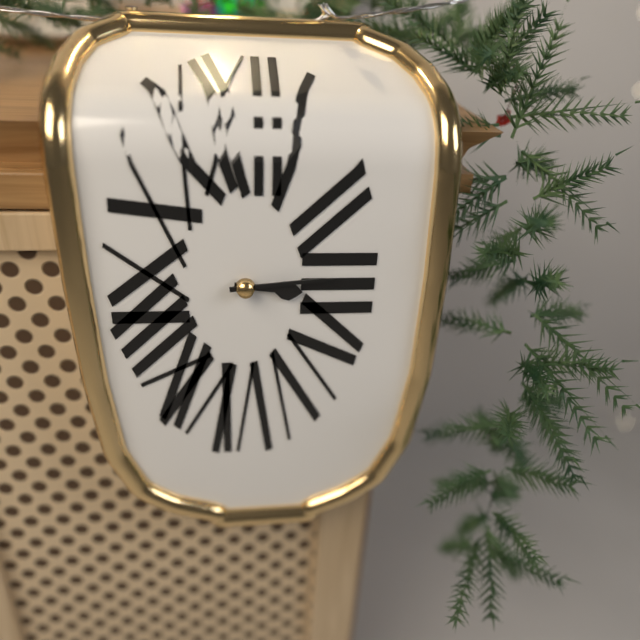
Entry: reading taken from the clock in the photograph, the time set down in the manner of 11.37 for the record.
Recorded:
3.14
